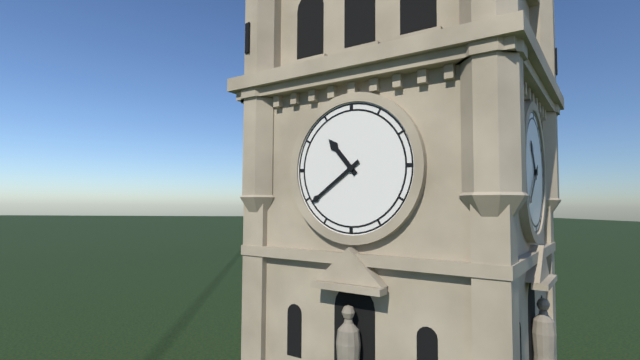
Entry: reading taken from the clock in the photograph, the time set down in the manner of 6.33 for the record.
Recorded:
10.39
